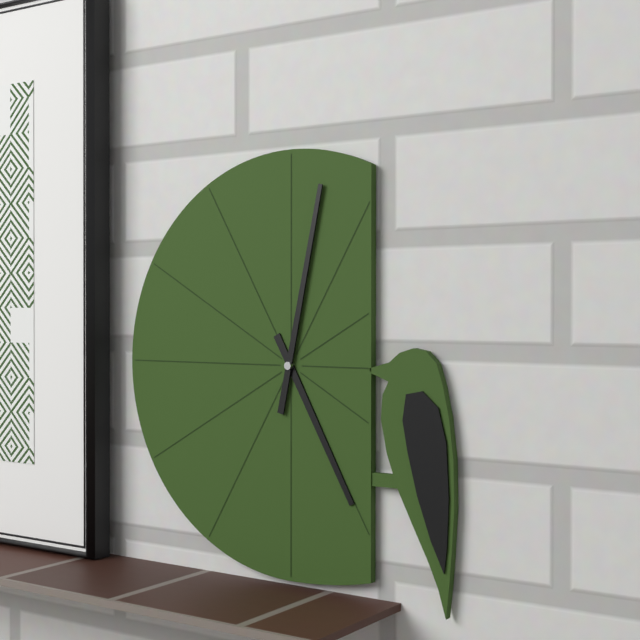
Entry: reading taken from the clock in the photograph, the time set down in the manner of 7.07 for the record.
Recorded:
5.02
